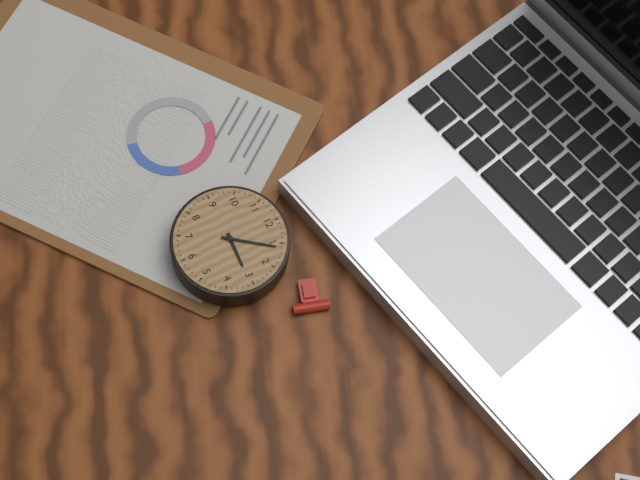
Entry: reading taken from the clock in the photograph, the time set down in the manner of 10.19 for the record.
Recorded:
3.06
